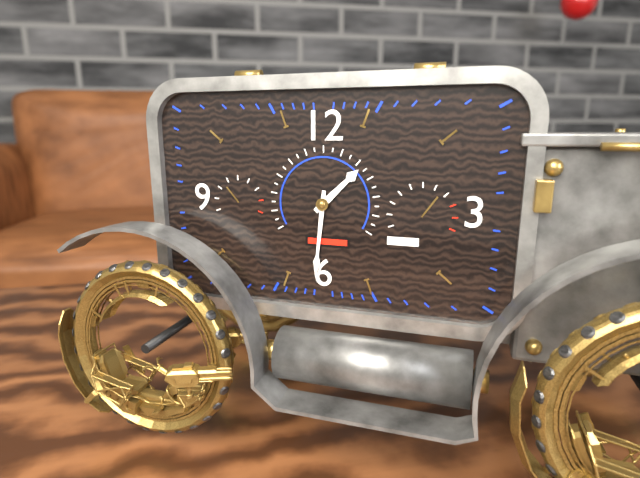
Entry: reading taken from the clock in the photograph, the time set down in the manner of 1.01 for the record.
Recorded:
1.31
